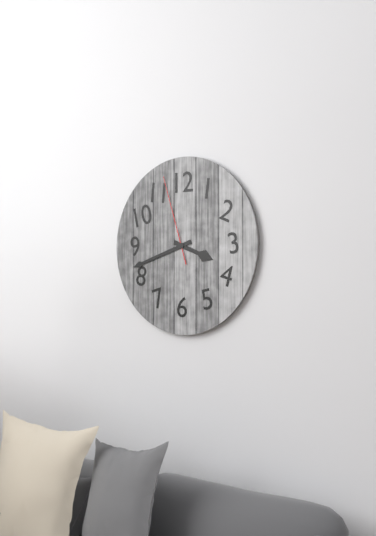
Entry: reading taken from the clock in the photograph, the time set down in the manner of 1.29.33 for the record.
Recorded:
3.42.57
